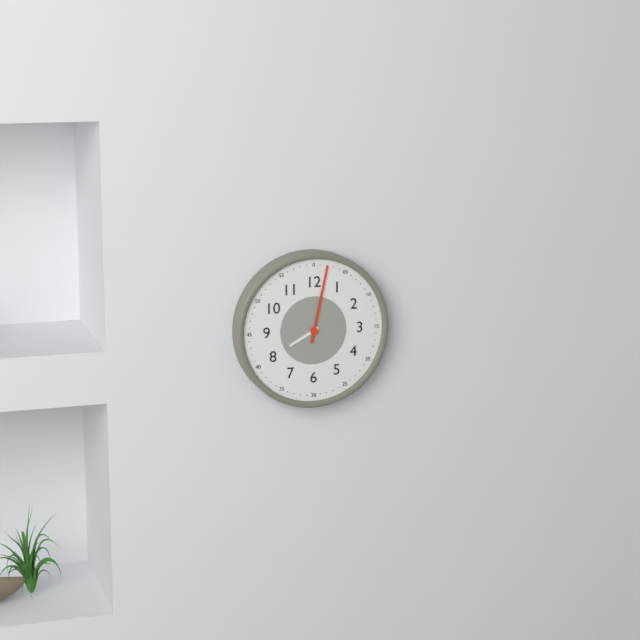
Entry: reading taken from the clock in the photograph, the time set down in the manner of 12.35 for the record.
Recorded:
8.02
